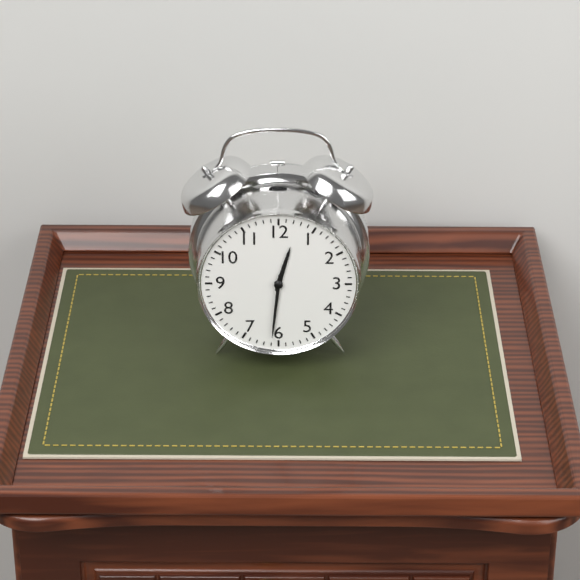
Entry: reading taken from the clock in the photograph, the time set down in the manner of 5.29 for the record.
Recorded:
12.31
